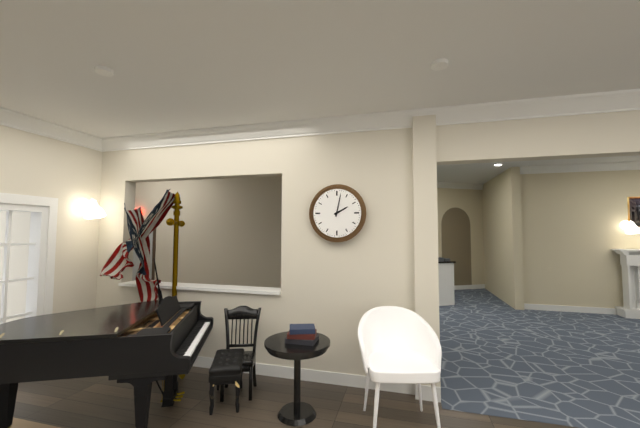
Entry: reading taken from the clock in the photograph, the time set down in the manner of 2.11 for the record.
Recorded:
2.02
